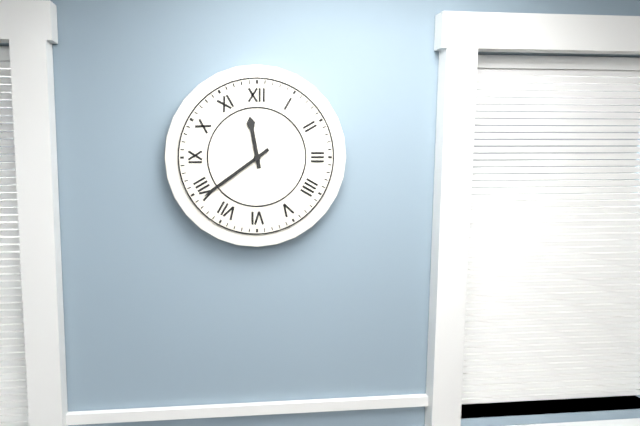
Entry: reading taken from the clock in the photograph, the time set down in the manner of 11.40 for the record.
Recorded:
11.39
